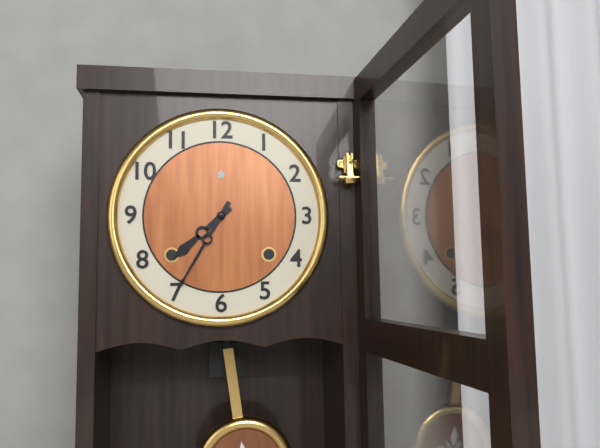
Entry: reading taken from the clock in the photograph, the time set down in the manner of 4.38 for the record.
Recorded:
7.35
